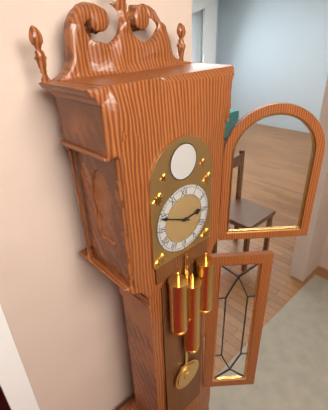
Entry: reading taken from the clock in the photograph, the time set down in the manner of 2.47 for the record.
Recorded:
2.49
